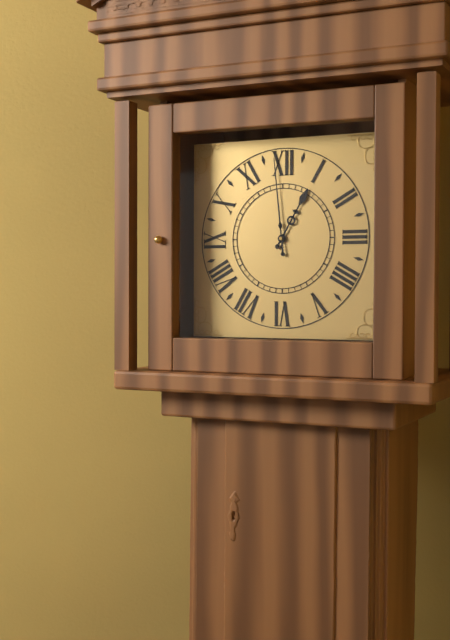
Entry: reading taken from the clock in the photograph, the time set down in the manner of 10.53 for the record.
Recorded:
12.59
